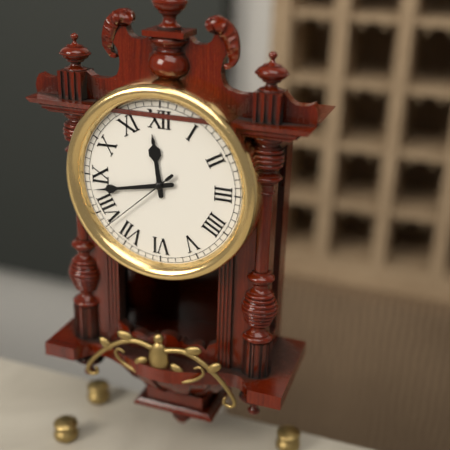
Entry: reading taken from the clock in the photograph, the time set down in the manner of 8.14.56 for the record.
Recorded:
11.43.38
